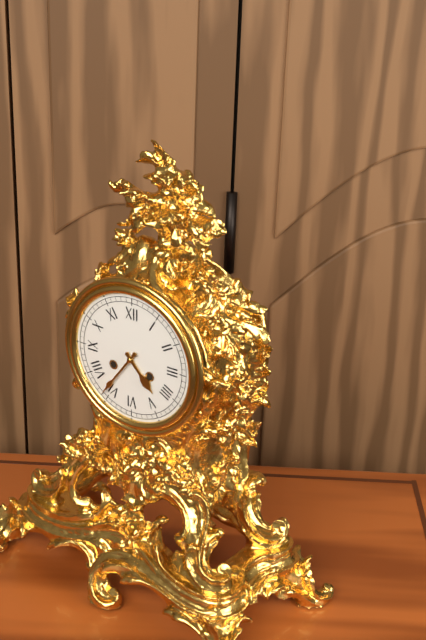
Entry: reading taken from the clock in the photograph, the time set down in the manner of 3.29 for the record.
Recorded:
4.36
